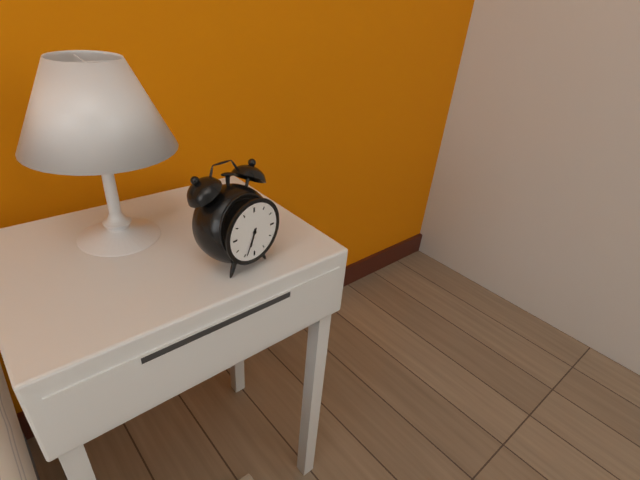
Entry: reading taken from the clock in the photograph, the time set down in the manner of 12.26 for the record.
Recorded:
6.34
